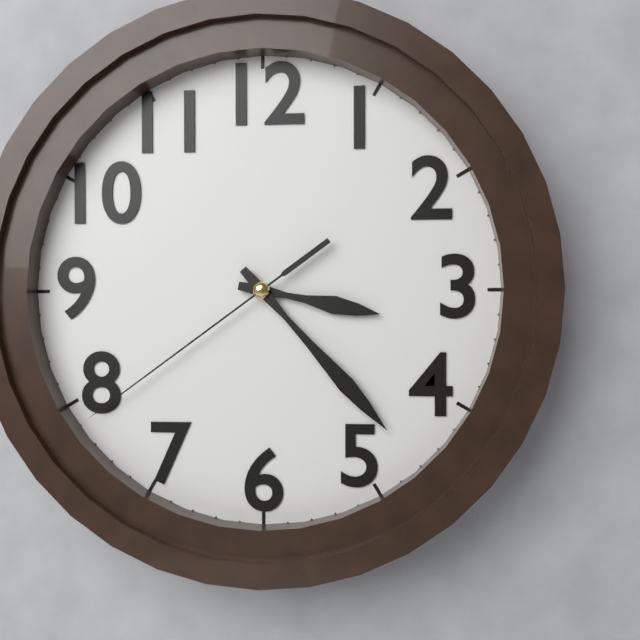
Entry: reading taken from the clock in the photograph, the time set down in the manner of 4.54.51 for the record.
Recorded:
3.23.39
